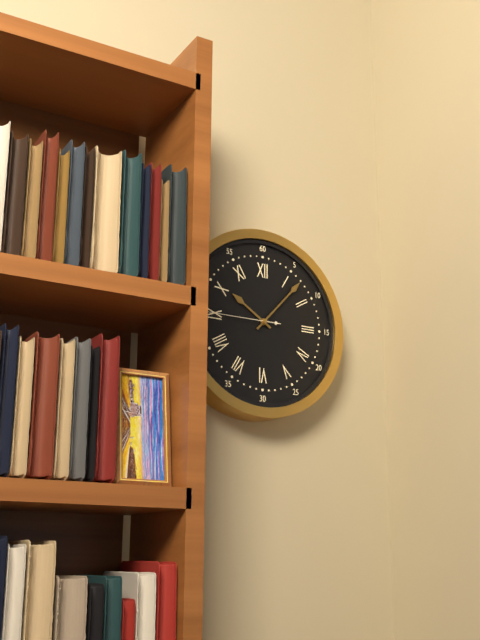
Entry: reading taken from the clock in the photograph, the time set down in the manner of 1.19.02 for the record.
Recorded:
10.07.45
